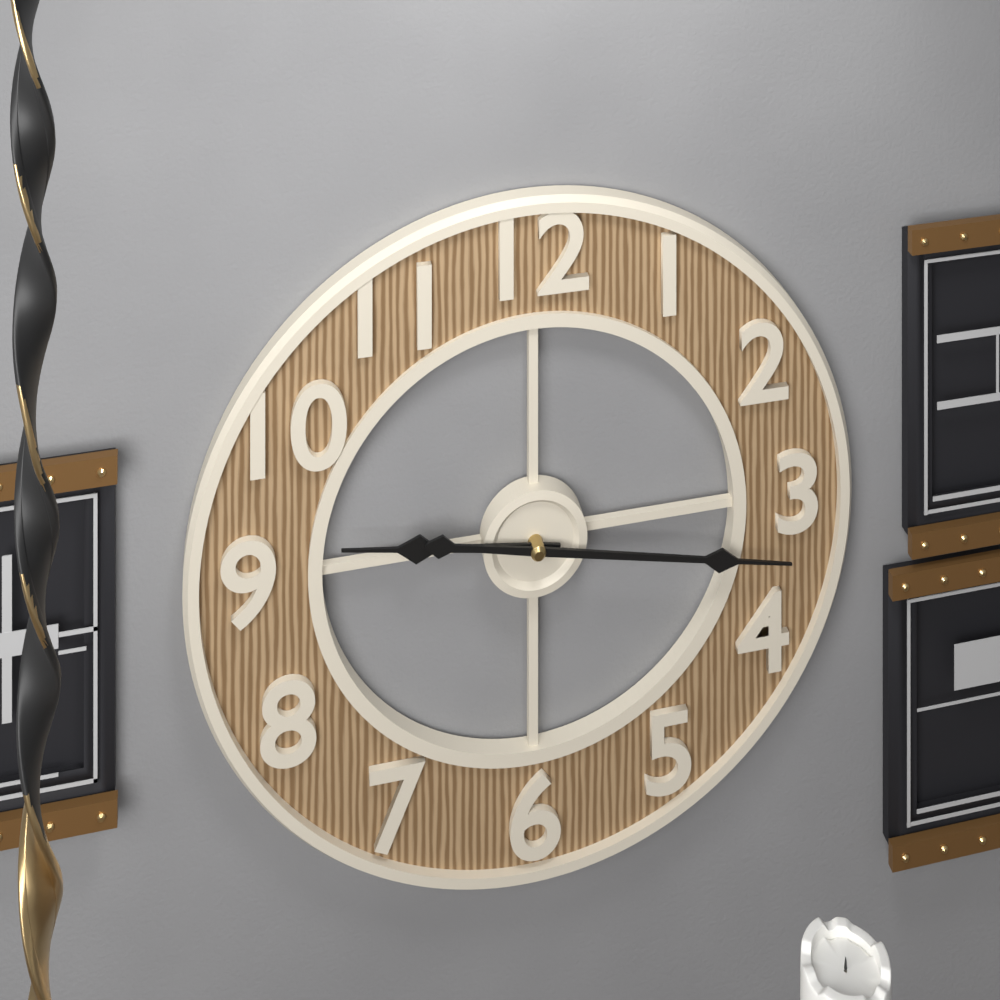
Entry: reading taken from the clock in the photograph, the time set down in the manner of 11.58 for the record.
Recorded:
9.17
